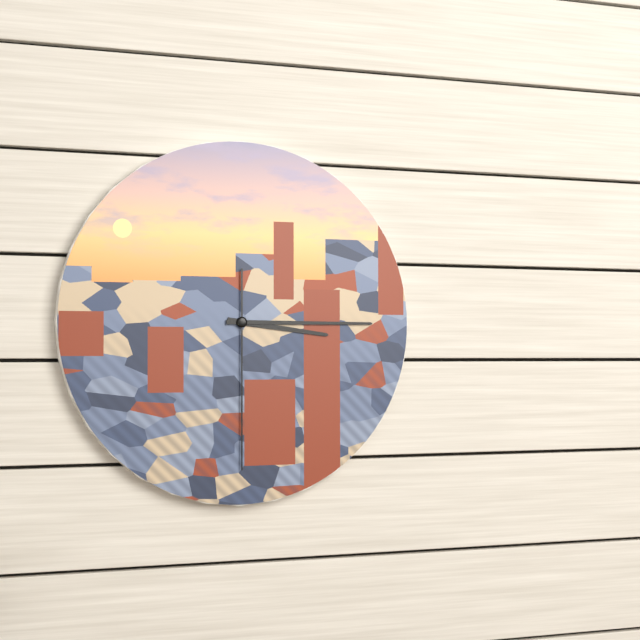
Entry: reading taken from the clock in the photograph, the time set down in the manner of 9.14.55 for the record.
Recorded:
3.15.30
